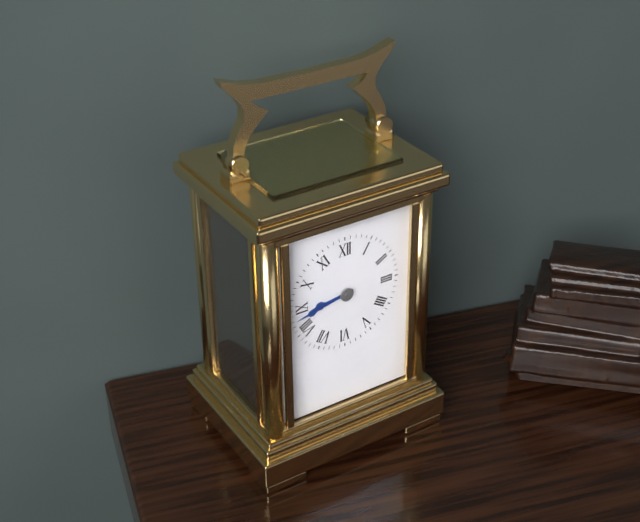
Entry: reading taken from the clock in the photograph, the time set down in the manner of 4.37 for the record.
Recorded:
8.43
